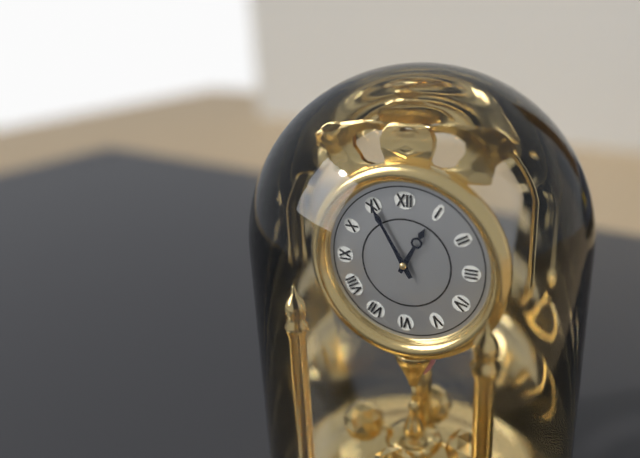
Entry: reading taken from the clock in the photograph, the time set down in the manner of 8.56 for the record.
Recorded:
12.55
